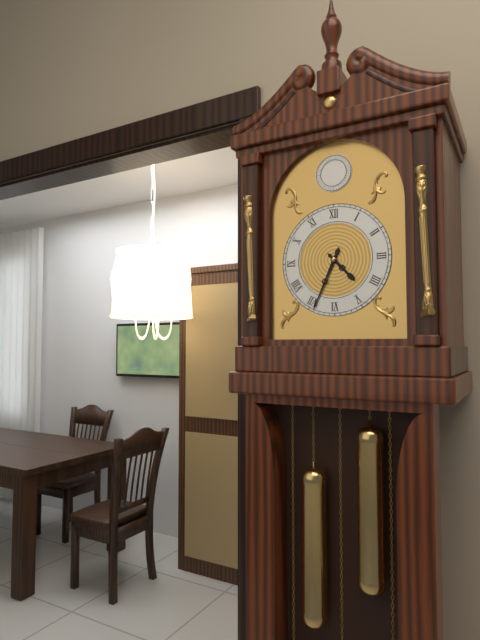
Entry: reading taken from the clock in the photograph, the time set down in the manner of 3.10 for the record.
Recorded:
4.34
